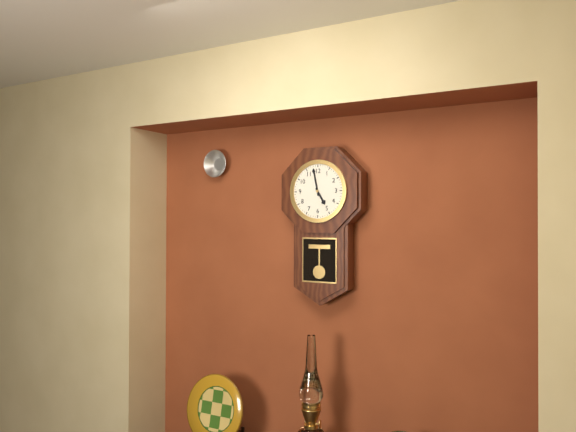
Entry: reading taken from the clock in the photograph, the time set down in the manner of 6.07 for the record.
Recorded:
4.58
